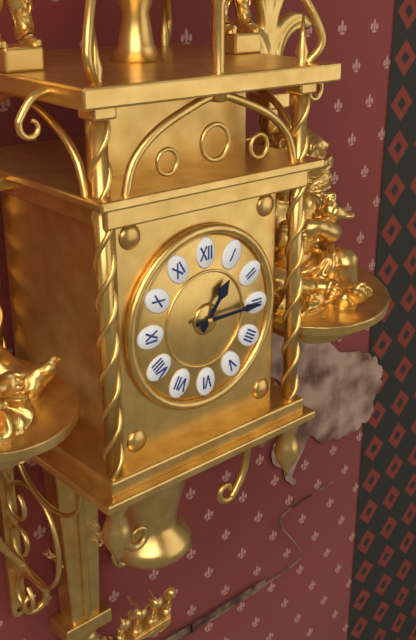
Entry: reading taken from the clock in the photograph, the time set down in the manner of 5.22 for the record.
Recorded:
1.15
